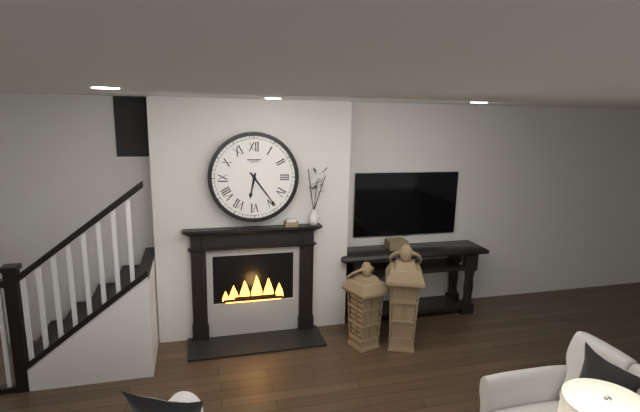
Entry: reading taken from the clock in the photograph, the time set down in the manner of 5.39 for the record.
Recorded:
6.24
